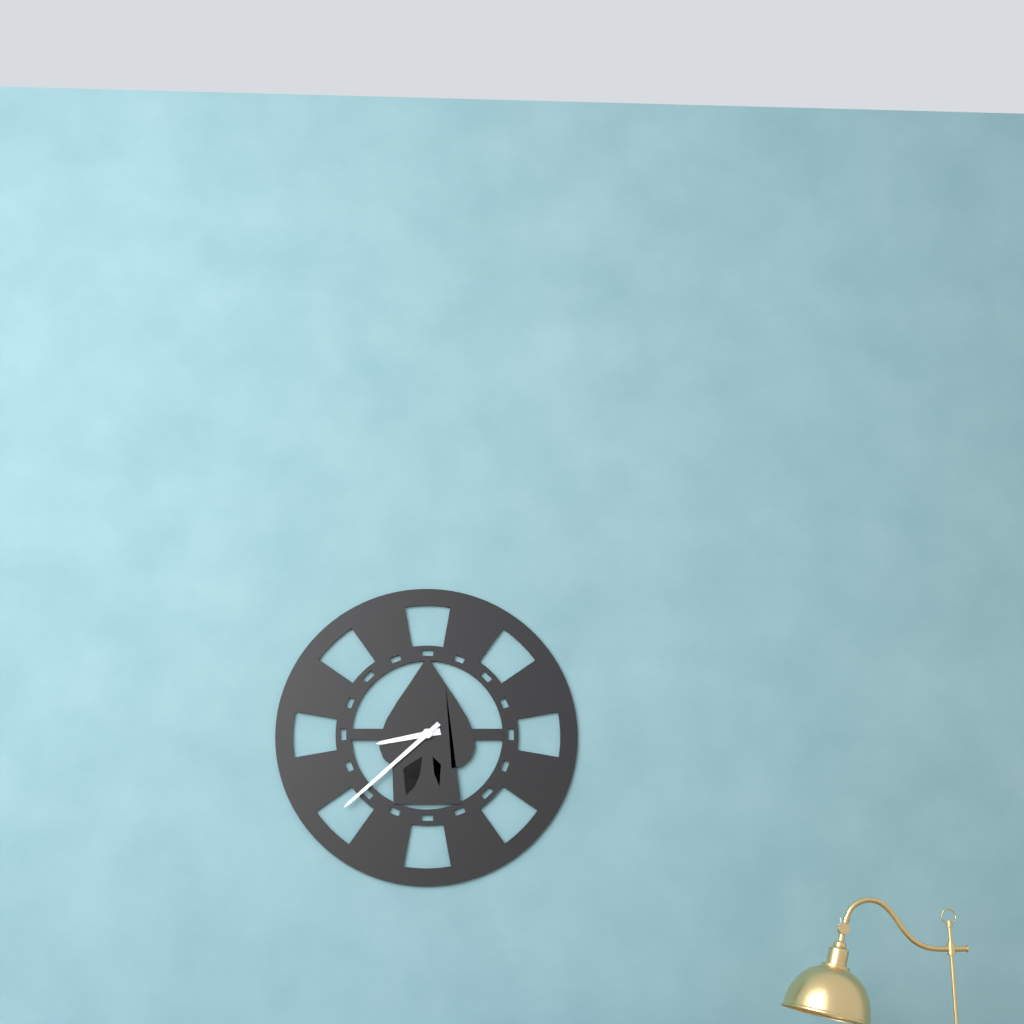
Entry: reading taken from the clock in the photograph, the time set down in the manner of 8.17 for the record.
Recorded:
8.38
